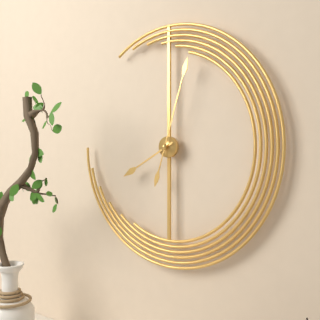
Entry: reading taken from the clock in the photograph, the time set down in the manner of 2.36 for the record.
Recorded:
8.03
